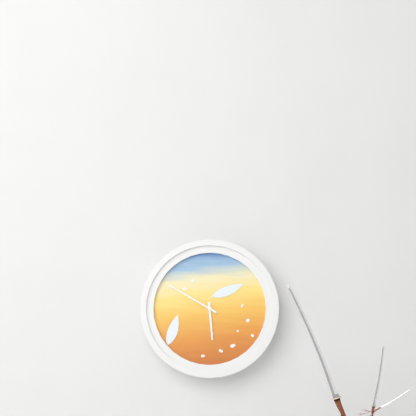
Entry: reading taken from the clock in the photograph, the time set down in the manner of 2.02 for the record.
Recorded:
5.50
